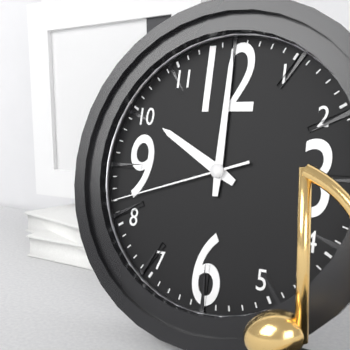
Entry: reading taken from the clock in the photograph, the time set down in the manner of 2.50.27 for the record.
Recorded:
10.00.42
